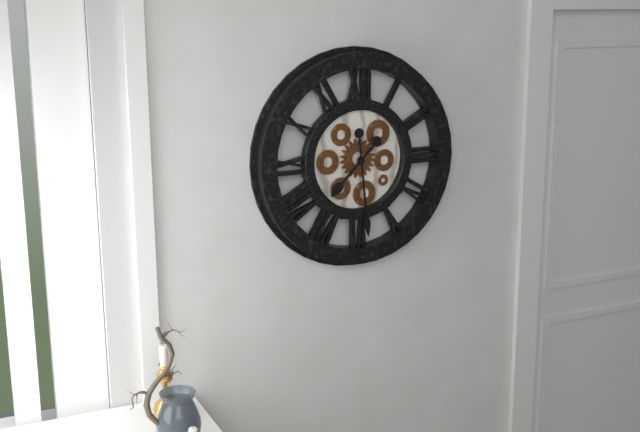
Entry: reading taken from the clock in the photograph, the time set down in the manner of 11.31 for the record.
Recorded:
7.29
